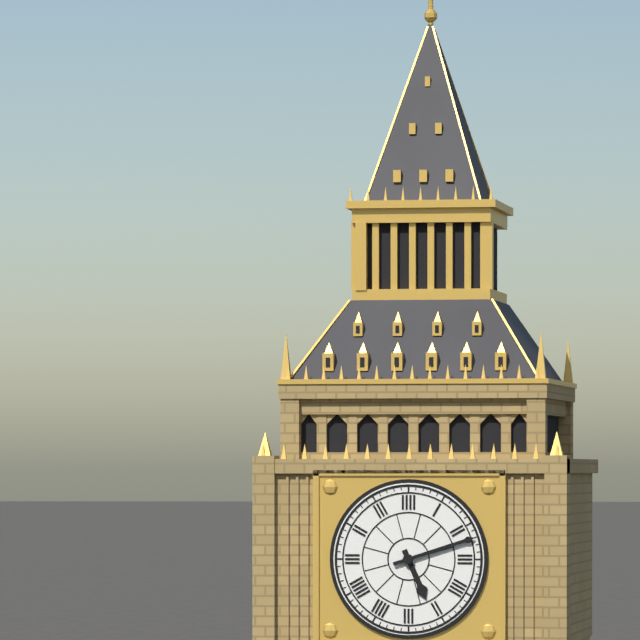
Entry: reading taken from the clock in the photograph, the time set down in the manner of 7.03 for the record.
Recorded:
5.12
